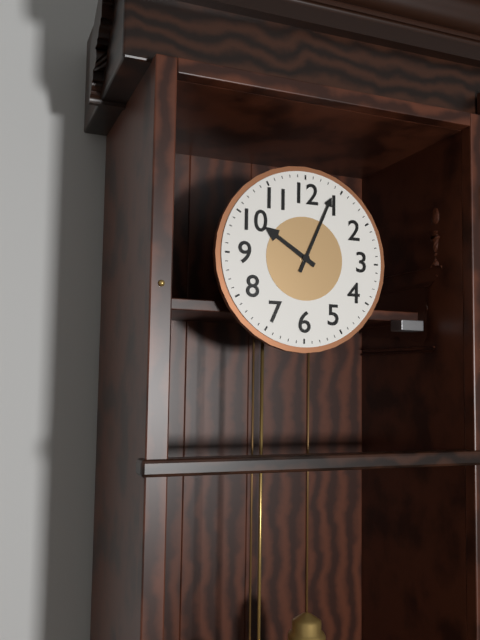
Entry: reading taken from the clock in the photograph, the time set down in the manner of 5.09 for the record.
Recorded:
10.04
